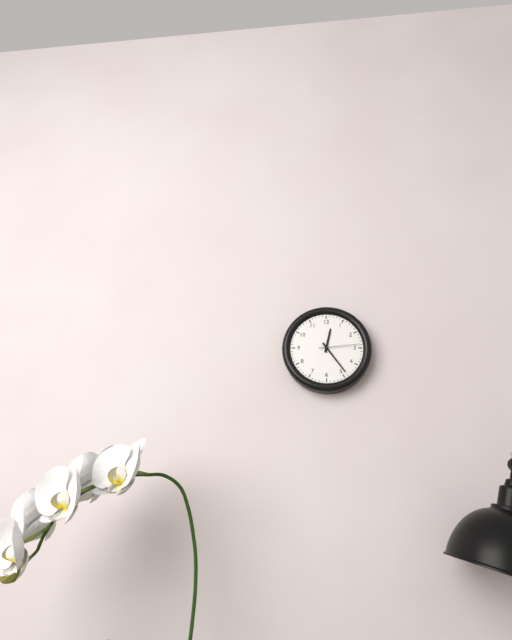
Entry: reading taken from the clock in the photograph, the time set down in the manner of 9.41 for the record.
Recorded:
12.24
